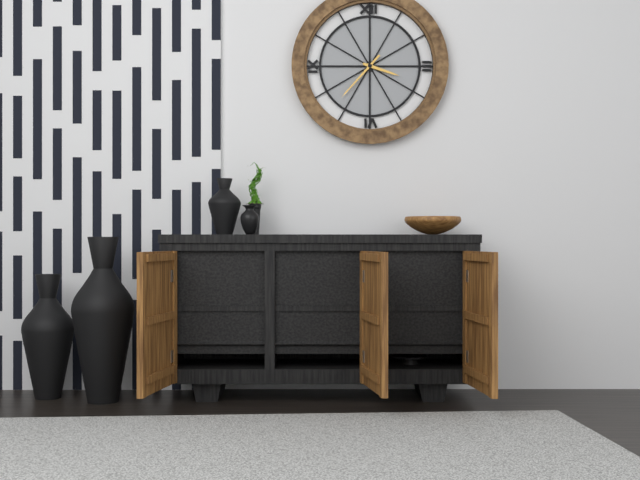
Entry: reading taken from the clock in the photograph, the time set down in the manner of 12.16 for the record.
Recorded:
3.37
